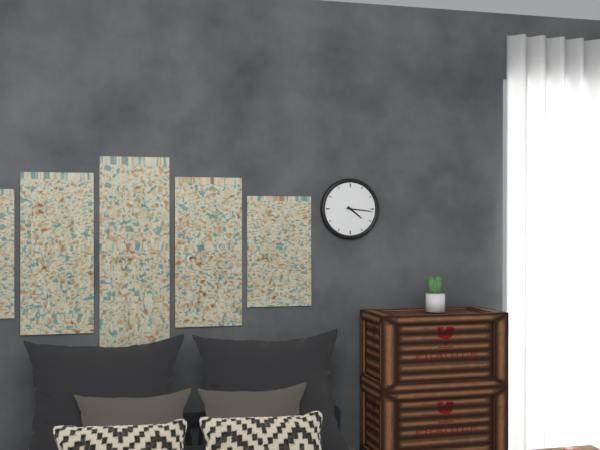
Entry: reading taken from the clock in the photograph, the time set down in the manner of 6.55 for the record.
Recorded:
4.16
